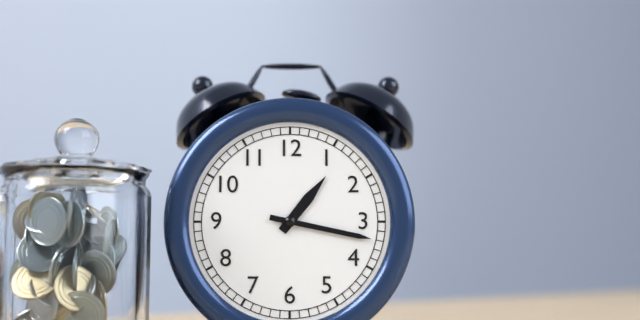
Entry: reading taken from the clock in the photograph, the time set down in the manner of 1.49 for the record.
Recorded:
1.17
